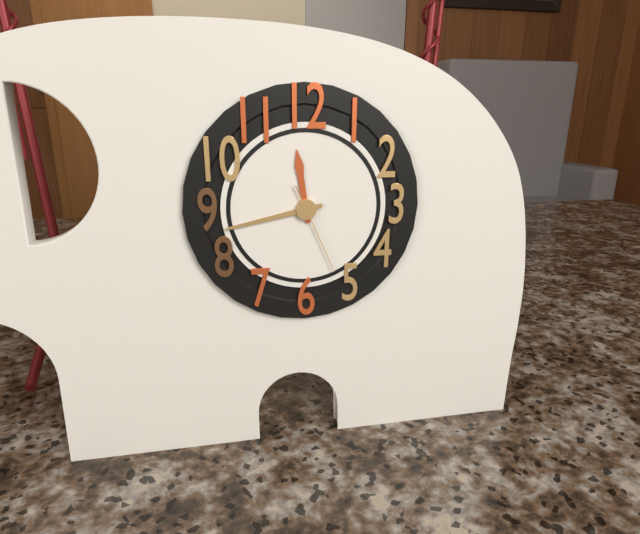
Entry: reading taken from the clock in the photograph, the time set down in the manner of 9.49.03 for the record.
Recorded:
11.43.26
